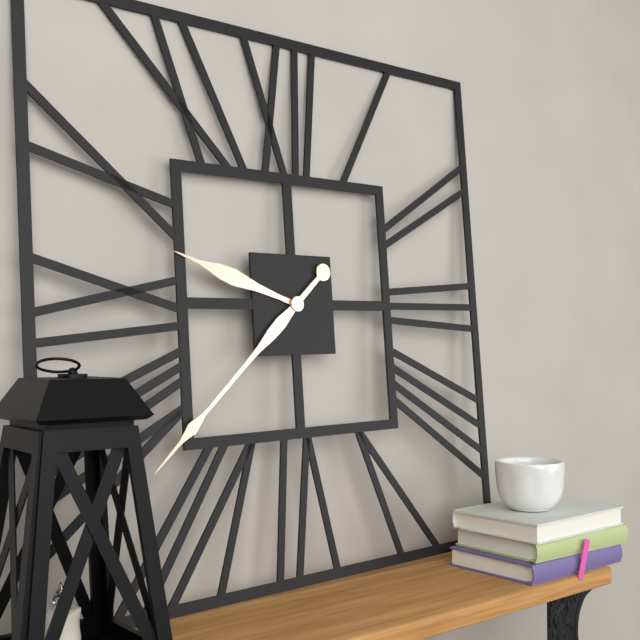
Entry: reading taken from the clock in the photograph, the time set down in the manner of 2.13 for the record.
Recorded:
9.38
